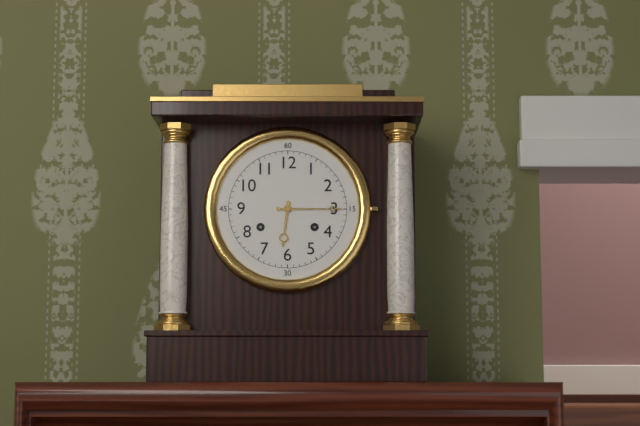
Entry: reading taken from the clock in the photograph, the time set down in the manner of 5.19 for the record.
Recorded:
6.15
